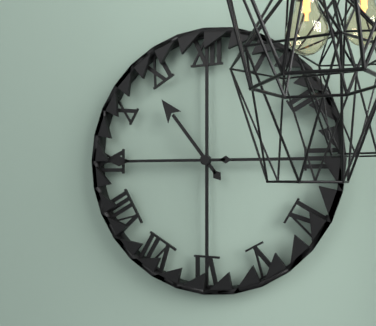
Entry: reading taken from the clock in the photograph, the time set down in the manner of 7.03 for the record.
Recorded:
10.45
